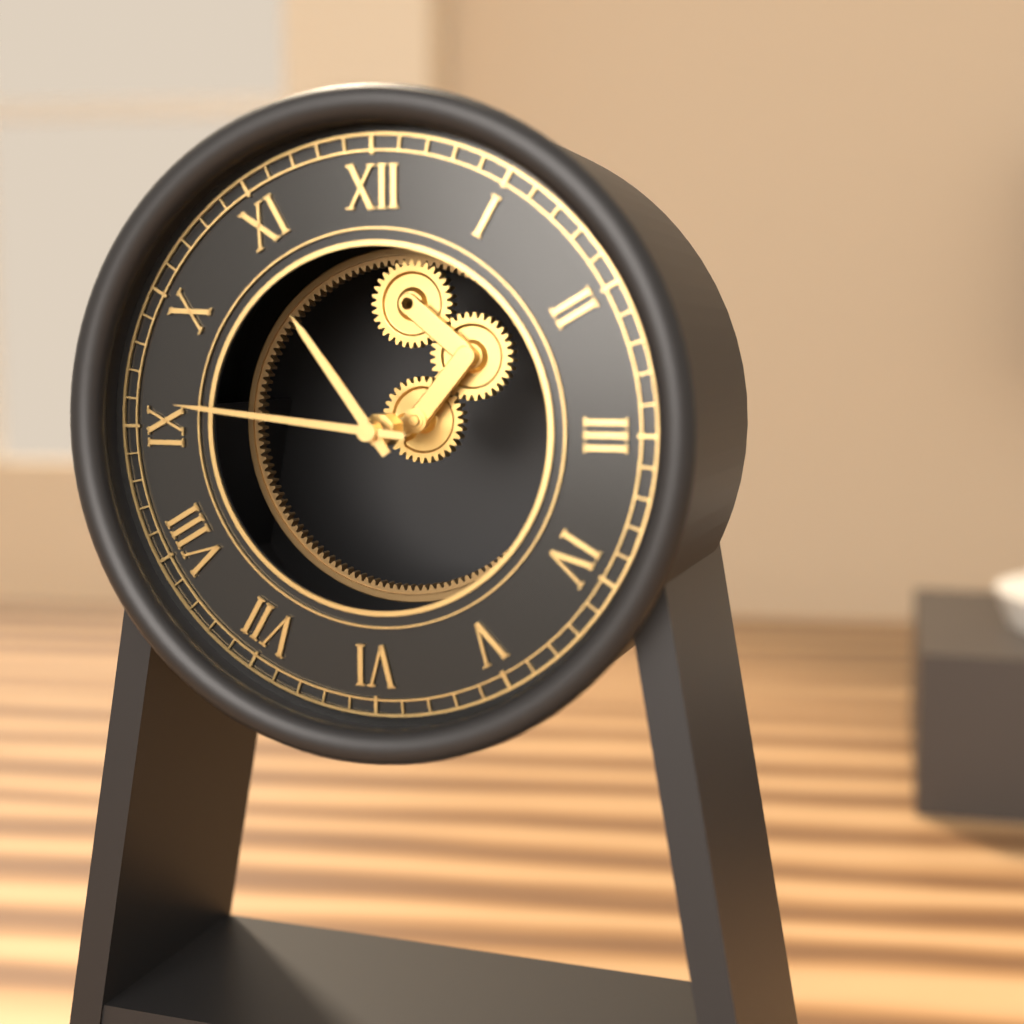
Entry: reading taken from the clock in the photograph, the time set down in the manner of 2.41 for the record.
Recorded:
10.46
